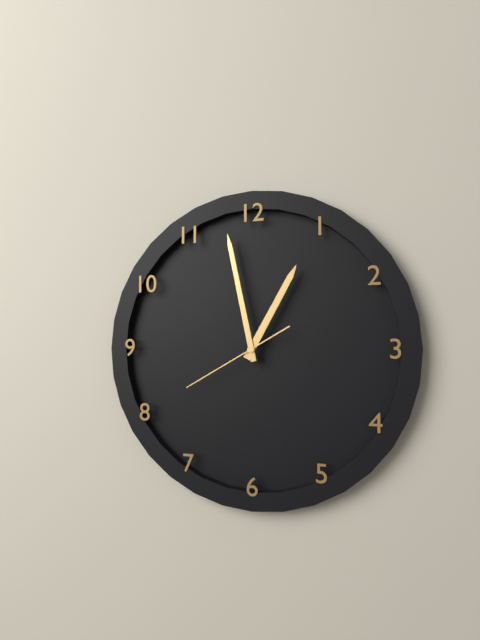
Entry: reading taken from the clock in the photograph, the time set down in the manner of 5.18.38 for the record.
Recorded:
12.58.40
